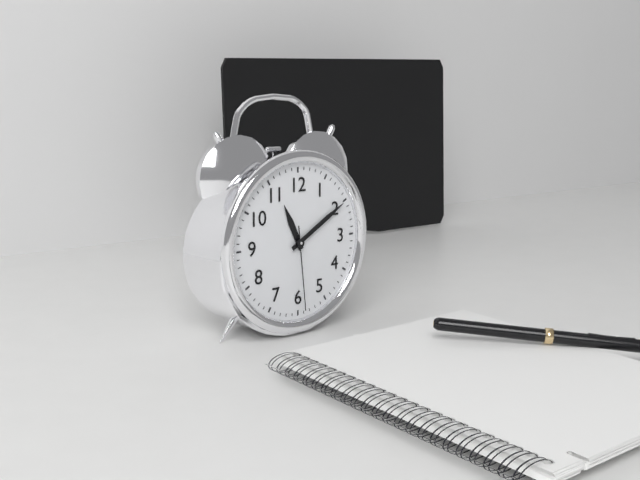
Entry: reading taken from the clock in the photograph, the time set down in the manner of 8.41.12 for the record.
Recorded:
11.10.29
